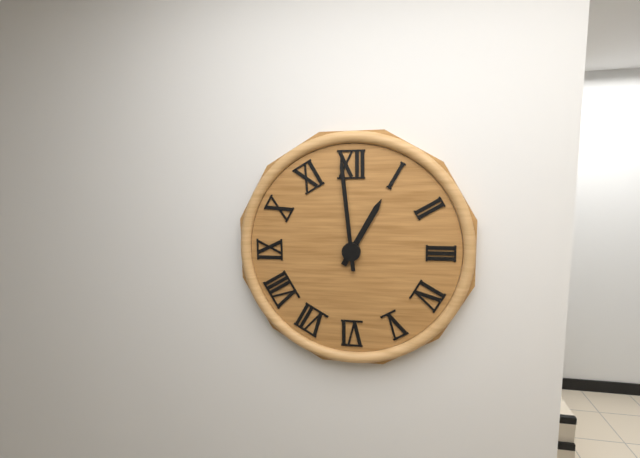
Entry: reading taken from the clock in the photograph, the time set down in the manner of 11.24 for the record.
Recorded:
12.59
